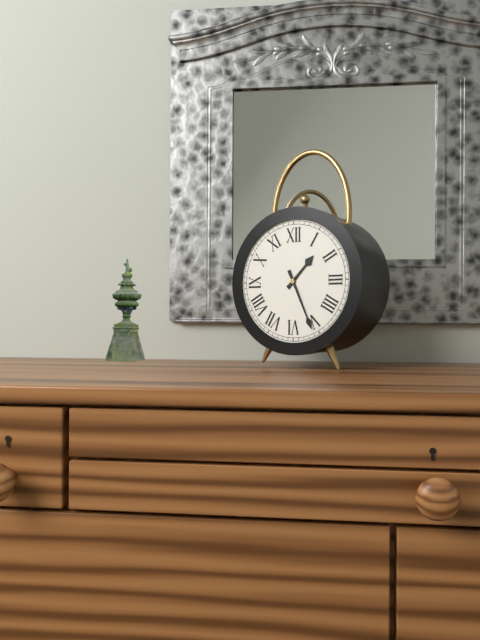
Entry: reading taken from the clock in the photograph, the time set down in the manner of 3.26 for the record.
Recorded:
1.26
